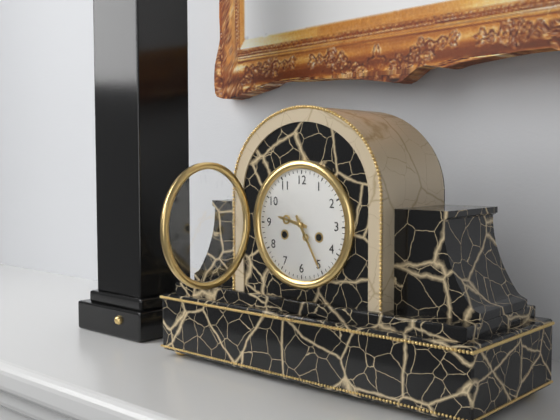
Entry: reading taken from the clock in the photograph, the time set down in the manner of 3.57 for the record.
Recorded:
9.25
